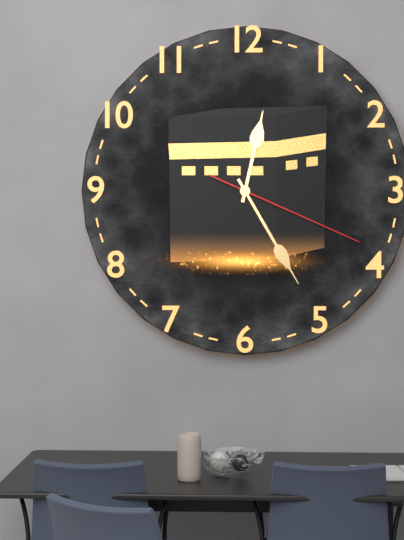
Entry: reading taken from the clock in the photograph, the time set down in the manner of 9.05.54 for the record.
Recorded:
12.25.19
